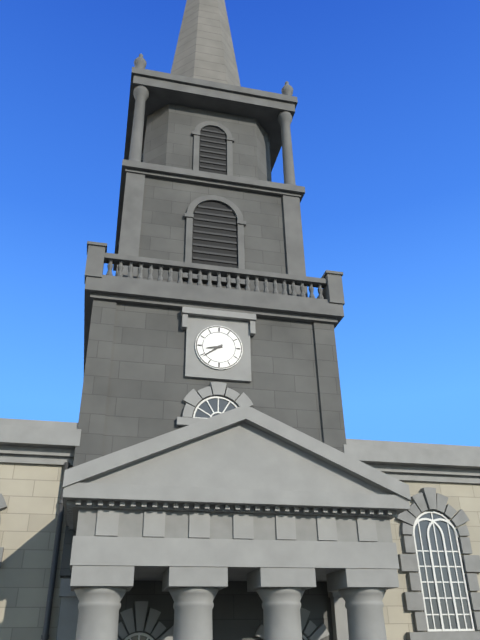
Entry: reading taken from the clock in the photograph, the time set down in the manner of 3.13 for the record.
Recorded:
8.39
